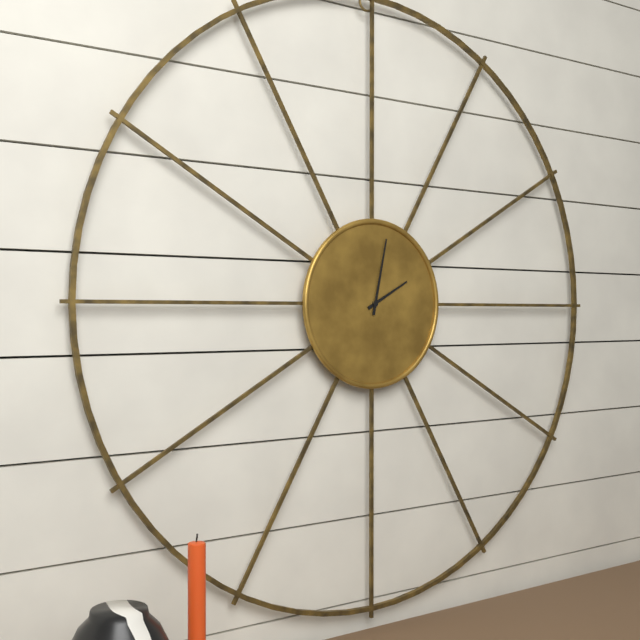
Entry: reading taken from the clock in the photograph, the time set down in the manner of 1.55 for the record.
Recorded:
2.02
